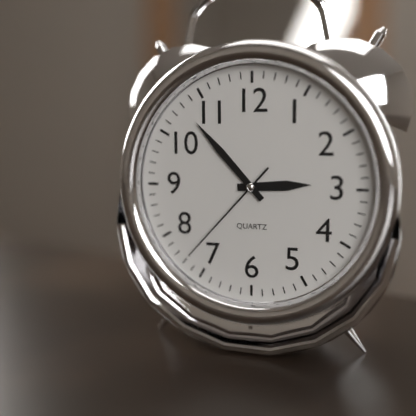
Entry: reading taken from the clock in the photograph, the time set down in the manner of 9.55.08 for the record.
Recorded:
2.53.37
